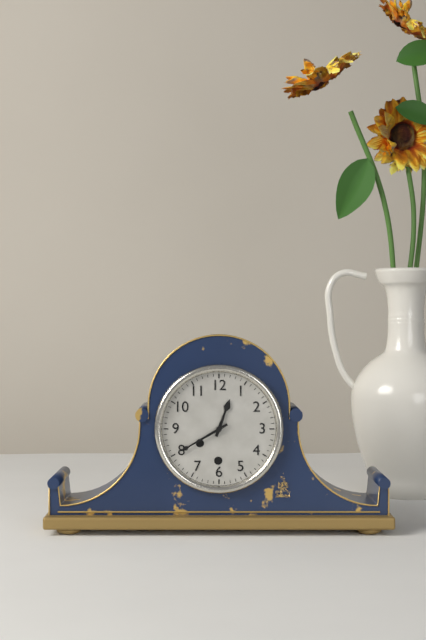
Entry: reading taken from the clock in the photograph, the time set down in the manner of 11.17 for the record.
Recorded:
12.40
